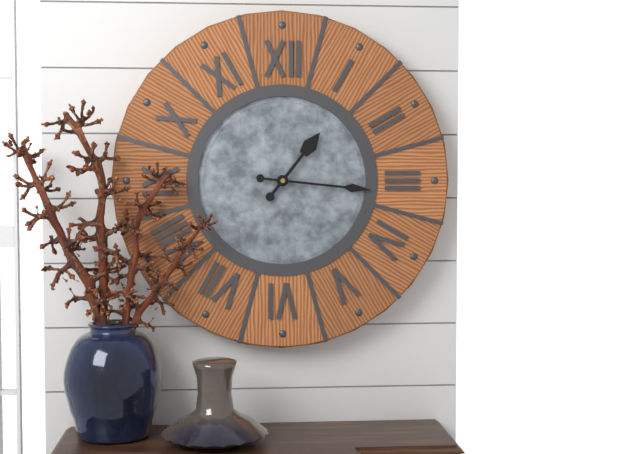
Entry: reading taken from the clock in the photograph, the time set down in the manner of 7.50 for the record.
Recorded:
1.16
